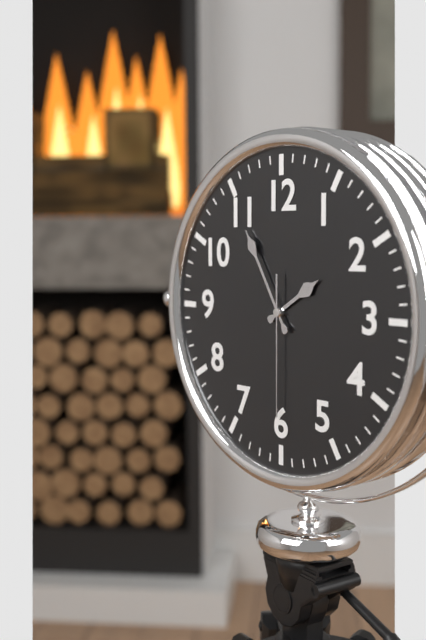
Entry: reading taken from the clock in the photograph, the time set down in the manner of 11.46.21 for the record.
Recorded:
1.55.30
